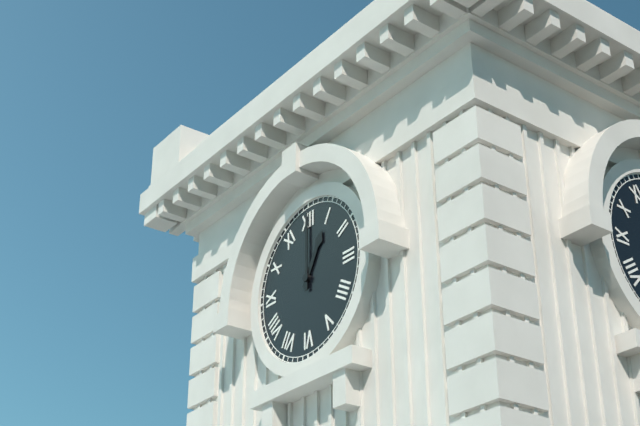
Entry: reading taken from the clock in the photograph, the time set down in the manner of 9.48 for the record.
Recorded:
1.00
